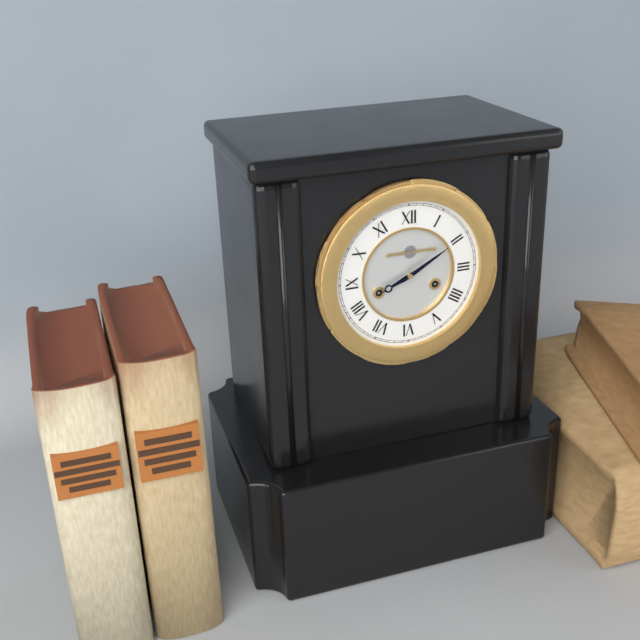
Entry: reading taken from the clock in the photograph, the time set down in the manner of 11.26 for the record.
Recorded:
8.10
